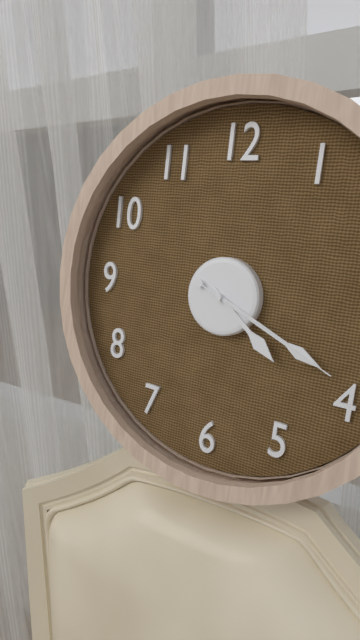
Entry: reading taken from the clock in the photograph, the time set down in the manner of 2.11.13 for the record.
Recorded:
4.19.19
